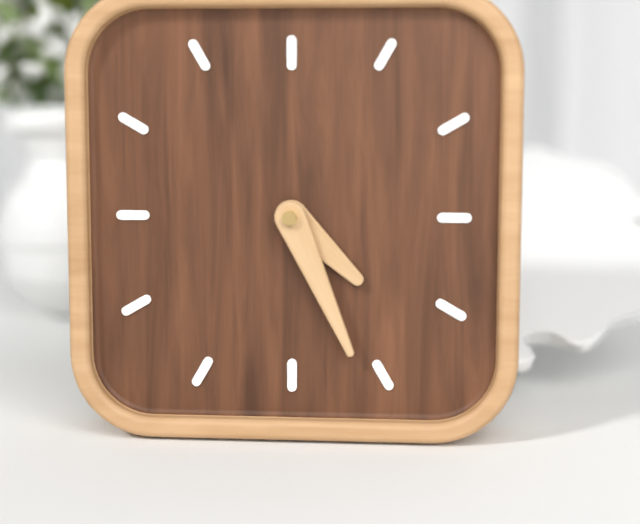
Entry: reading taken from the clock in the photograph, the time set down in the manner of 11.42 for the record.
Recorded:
4.26
